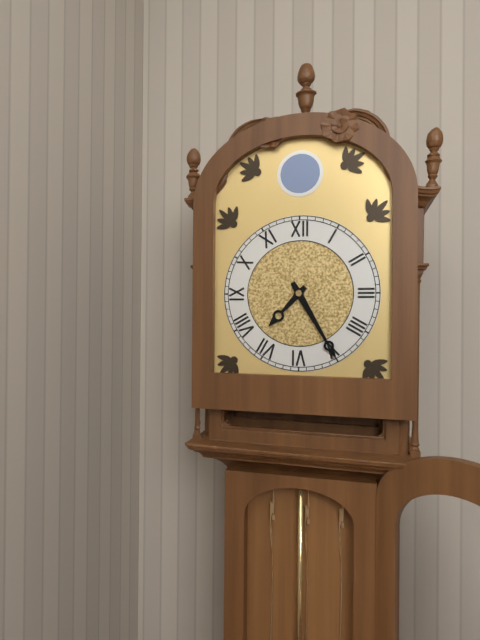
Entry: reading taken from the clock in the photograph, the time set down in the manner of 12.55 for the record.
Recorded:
7.25
